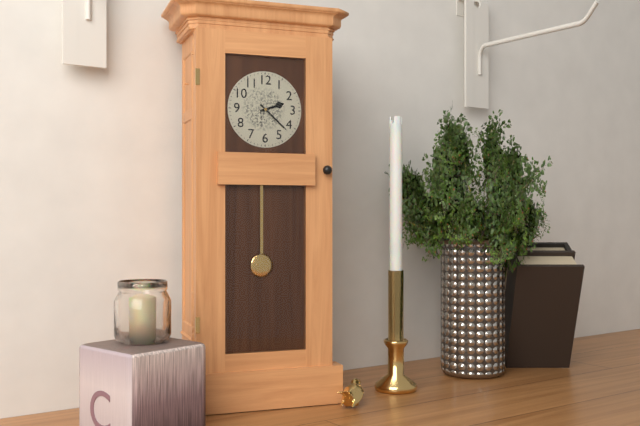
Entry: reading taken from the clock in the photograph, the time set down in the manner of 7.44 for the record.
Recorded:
2.22
